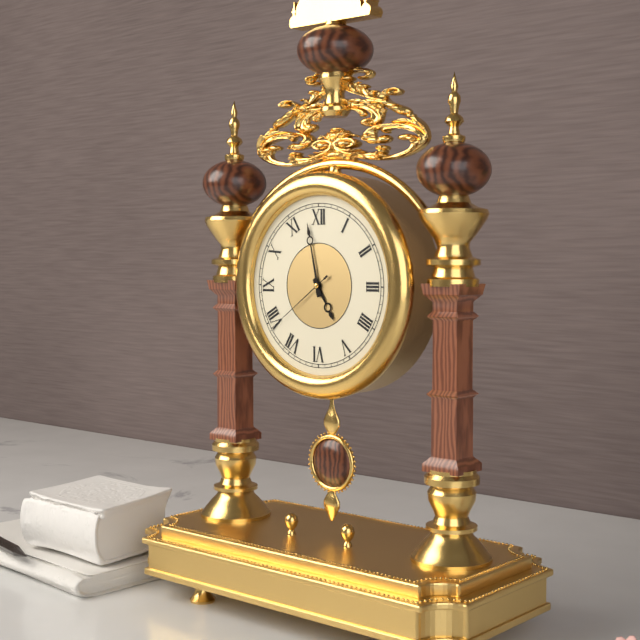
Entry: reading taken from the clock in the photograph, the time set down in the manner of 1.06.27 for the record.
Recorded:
4.58.39
